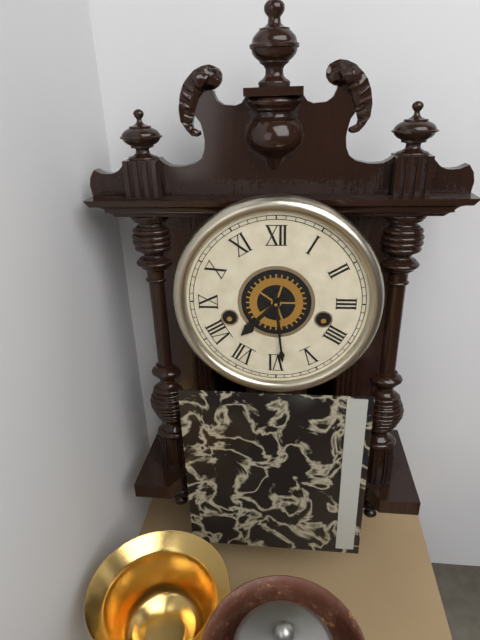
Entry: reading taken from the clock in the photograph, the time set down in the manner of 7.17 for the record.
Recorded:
7.29
